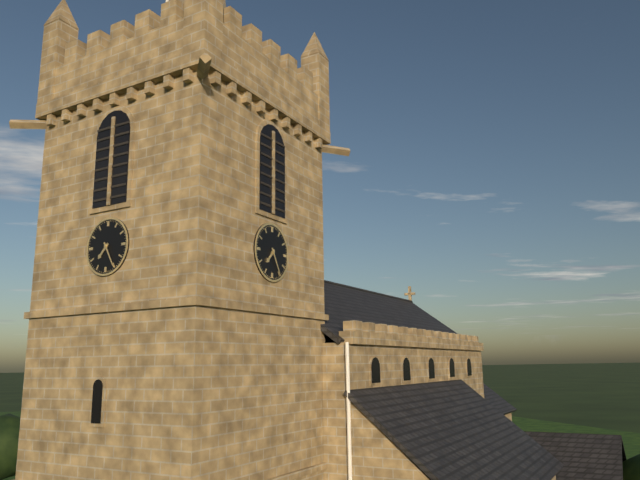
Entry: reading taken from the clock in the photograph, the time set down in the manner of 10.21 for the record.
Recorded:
7.25
